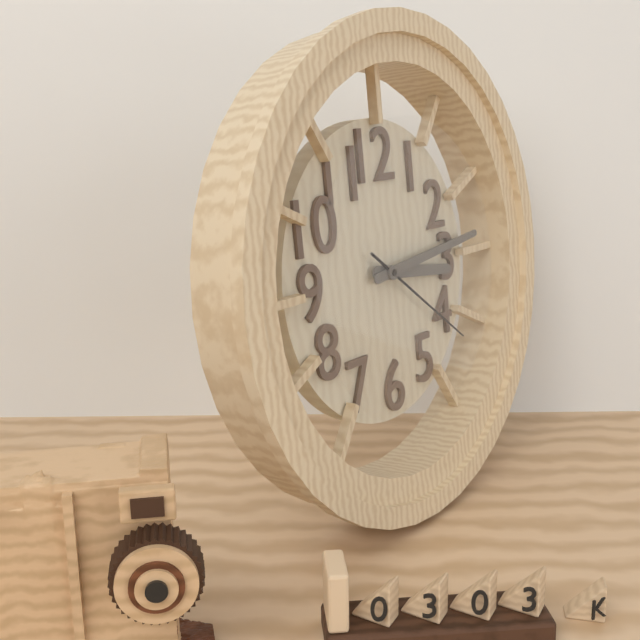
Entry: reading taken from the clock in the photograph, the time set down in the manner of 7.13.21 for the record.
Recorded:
3.14.21
